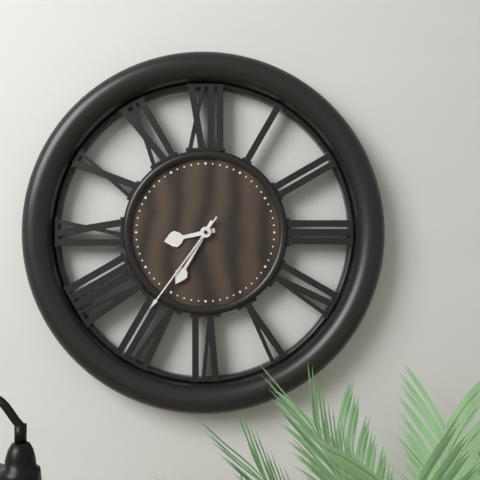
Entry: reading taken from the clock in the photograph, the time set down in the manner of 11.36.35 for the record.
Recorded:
8.35.36
